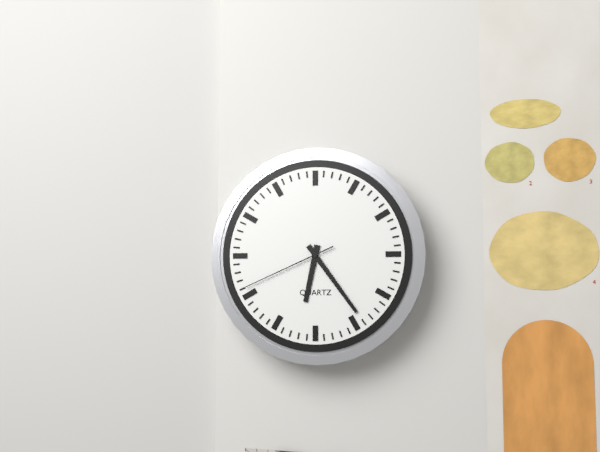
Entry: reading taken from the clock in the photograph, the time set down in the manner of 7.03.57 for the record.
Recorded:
6.24.41
